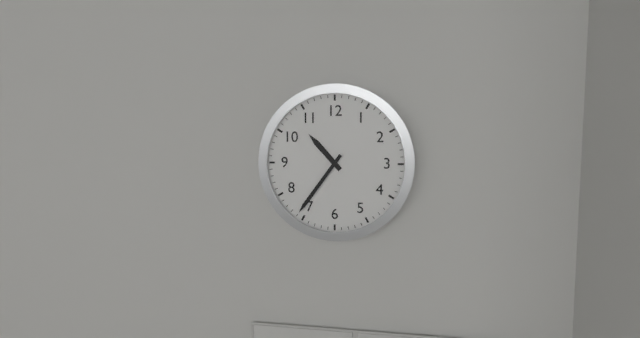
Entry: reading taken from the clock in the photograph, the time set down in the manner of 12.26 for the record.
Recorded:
10.36
